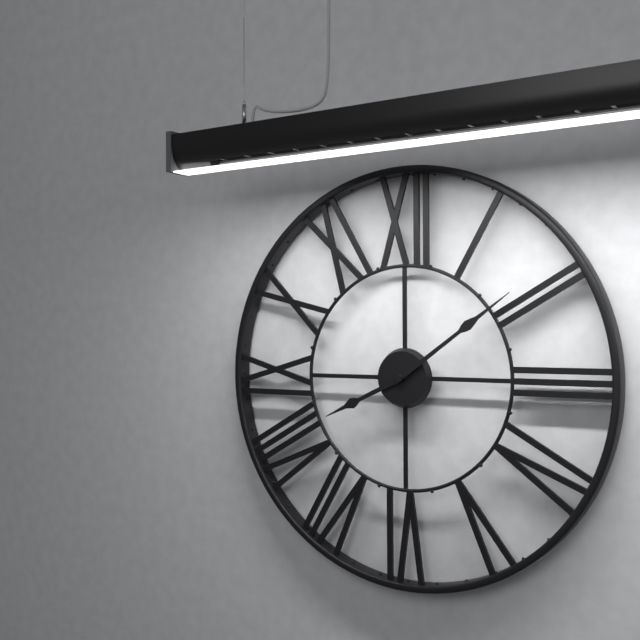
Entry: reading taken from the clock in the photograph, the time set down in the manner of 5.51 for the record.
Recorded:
8.09
